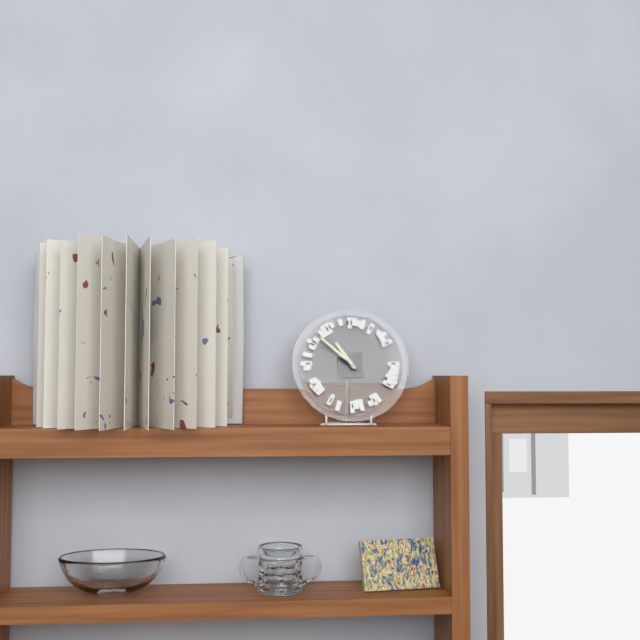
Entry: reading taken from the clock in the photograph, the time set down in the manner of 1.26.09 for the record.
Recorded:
10.52.50
